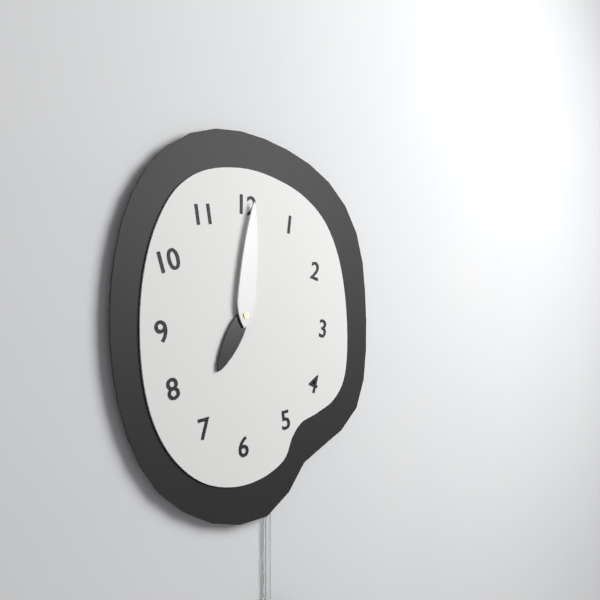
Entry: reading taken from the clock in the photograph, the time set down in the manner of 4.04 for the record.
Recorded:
7.01
